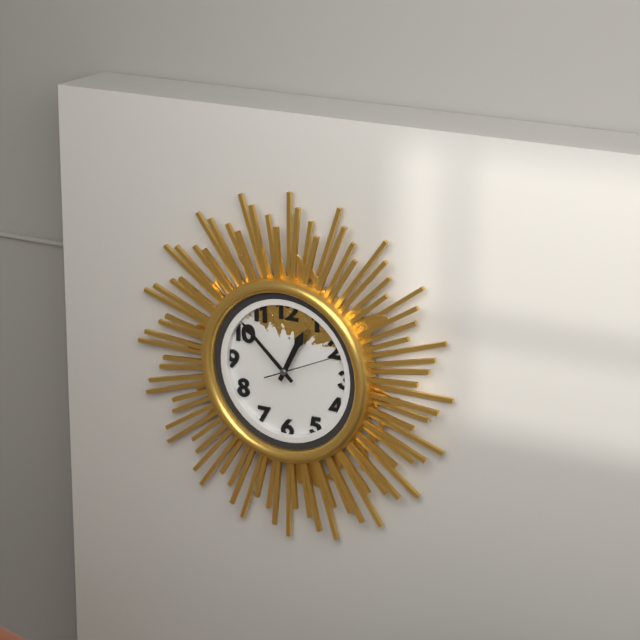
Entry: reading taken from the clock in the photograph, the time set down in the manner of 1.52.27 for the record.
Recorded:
12.52.11
